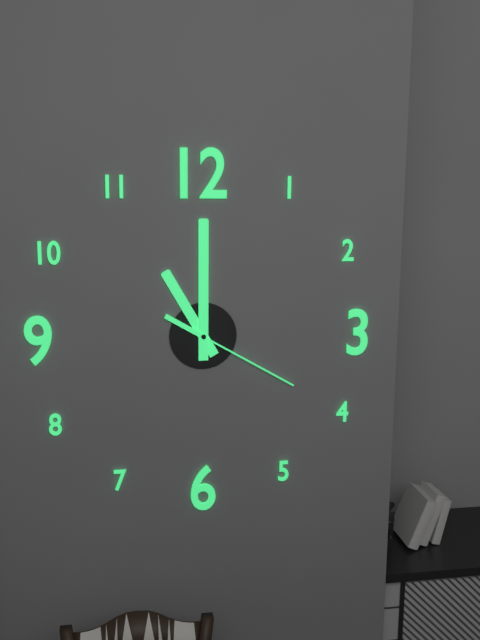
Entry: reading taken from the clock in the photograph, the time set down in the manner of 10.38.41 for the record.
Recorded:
11.00.20
